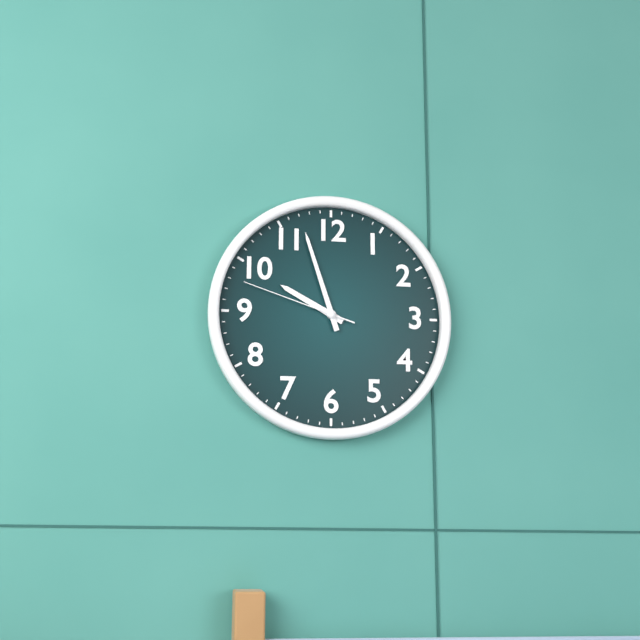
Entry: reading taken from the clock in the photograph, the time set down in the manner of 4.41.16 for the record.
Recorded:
9.57.48
